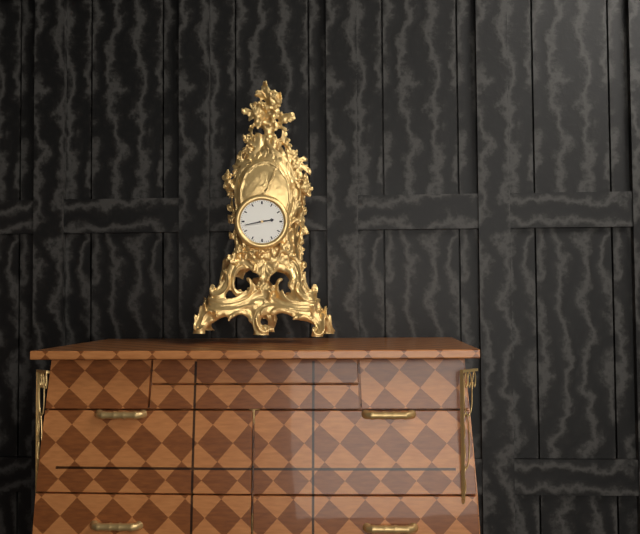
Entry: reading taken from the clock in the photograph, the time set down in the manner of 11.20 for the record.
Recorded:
2.43
